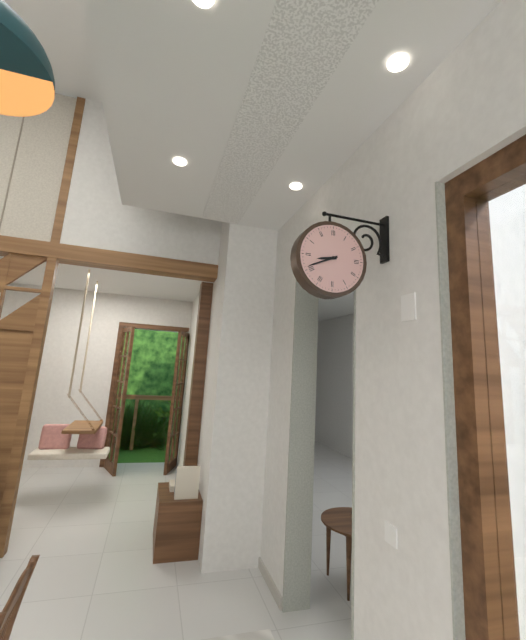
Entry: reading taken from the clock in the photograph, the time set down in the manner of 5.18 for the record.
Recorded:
8.41
